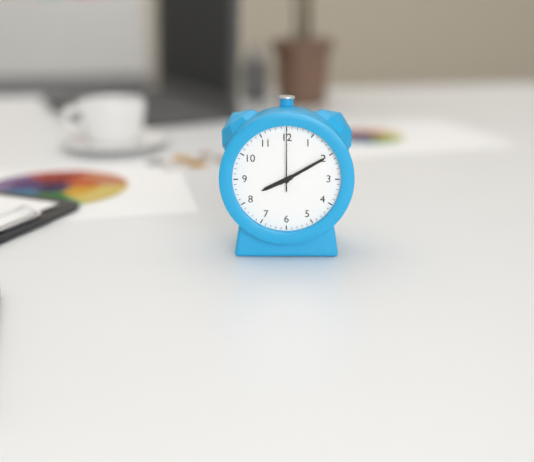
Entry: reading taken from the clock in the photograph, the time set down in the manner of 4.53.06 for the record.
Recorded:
8.10.00
